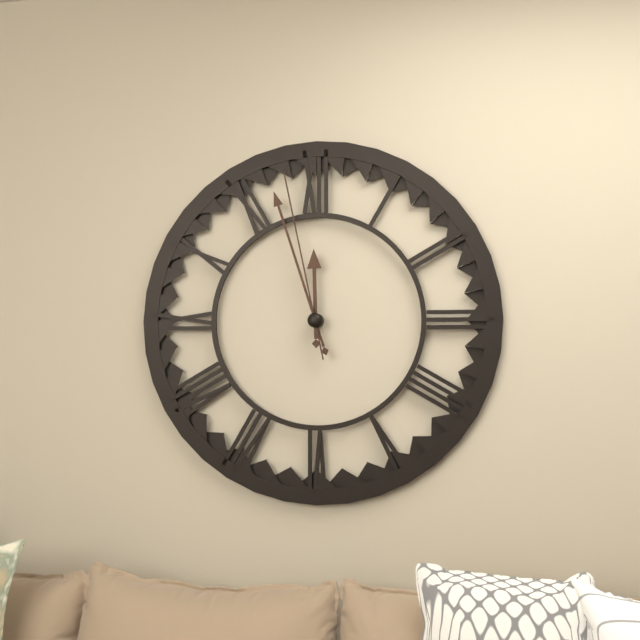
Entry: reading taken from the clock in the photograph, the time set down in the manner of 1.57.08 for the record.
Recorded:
11.57.58
